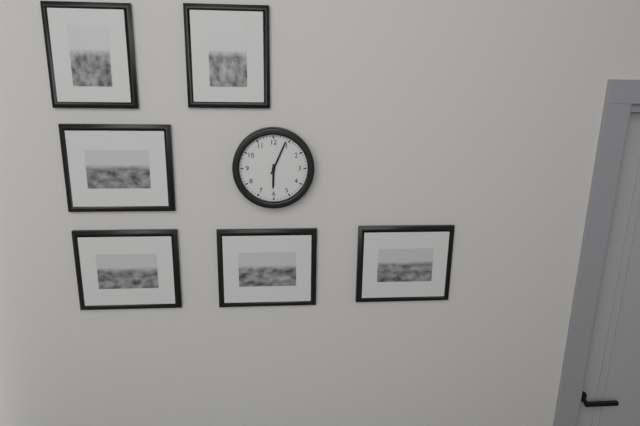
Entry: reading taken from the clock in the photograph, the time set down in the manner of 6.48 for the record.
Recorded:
6.04
